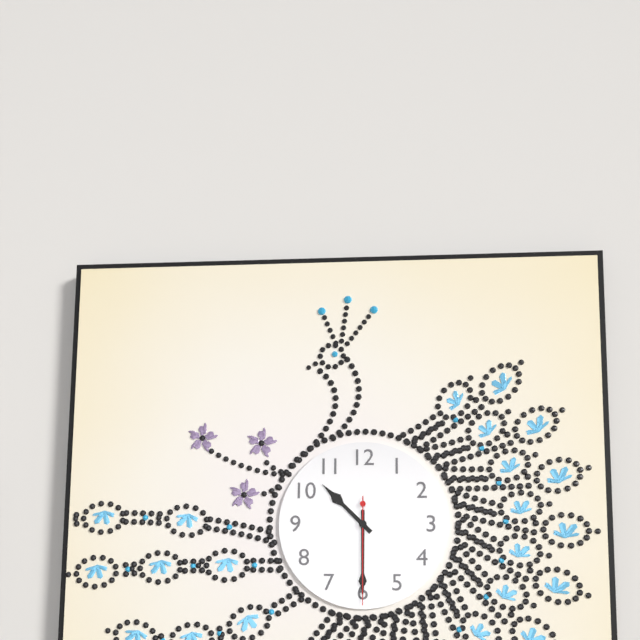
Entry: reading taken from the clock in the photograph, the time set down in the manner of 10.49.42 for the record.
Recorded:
10.30.30
